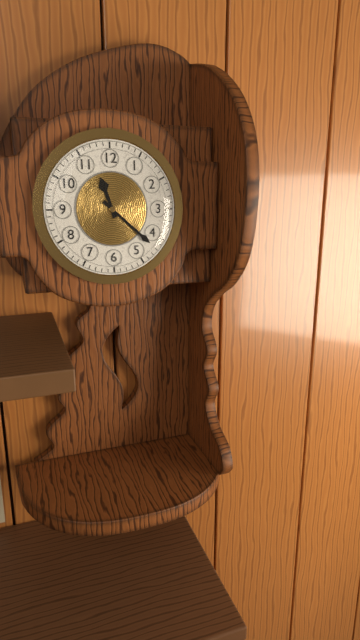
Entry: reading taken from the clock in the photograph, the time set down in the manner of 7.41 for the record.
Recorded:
11.22
